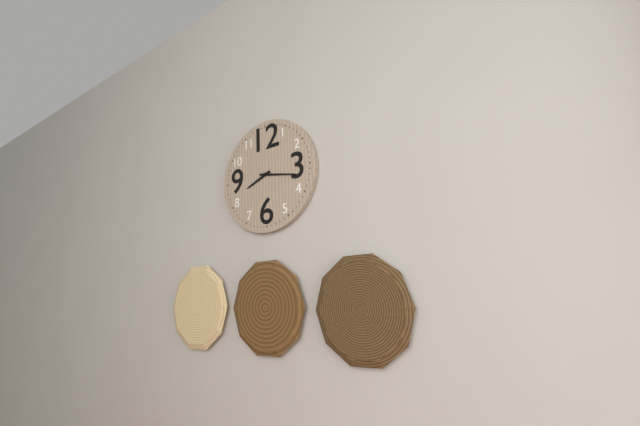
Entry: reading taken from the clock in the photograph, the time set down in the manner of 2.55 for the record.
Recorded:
8.17
